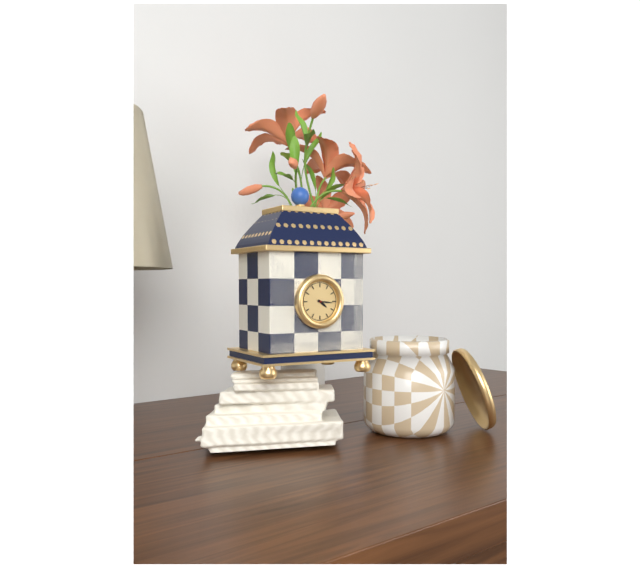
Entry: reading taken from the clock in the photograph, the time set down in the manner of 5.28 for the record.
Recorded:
4.16
